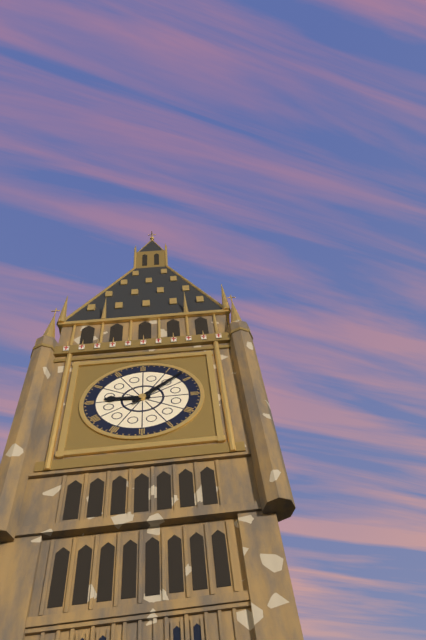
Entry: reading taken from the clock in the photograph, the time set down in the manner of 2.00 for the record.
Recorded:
9.08
